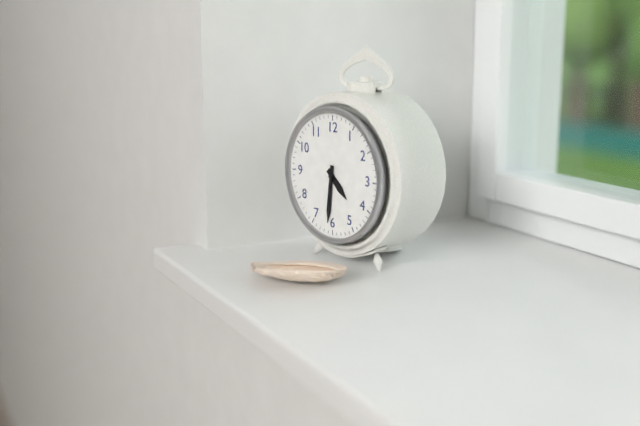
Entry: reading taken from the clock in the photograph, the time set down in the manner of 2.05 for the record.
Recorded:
4.31
